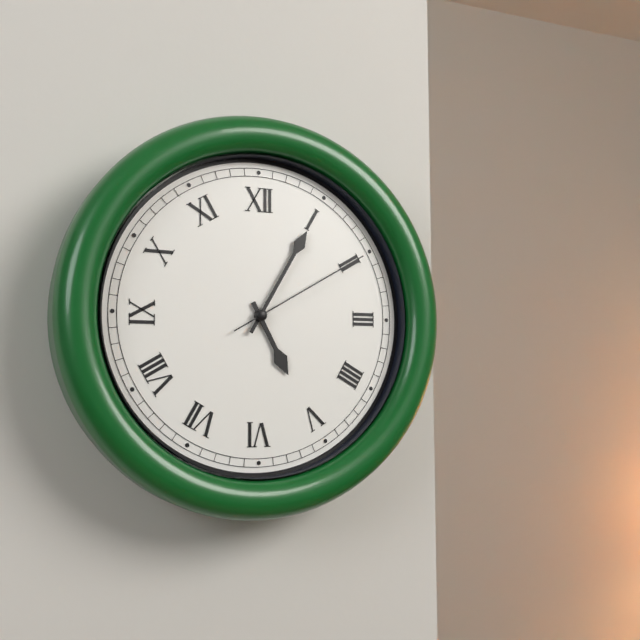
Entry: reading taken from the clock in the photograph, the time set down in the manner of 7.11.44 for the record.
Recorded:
5.05.10
